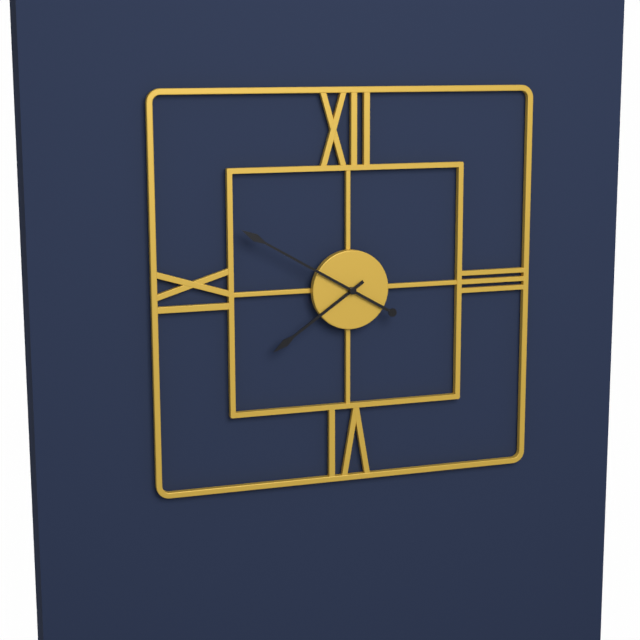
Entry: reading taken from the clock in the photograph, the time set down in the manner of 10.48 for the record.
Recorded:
7.50
